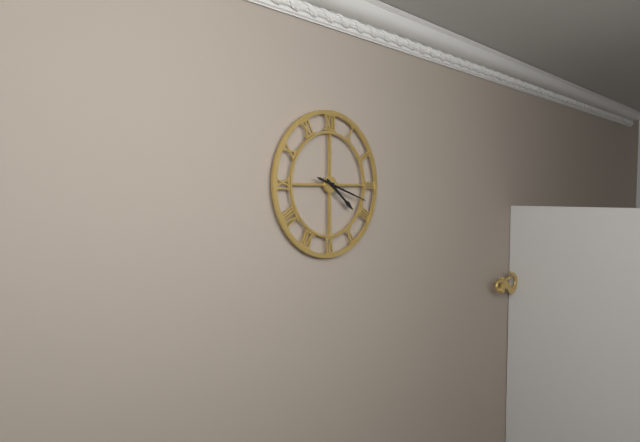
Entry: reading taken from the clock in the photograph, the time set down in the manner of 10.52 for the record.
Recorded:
4.18
